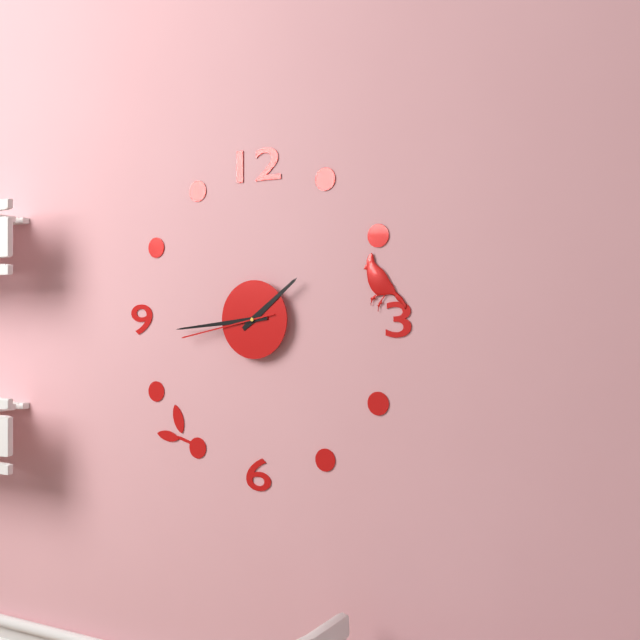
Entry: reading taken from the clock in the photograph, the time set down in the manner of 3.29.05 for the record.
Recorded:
1.44.43
